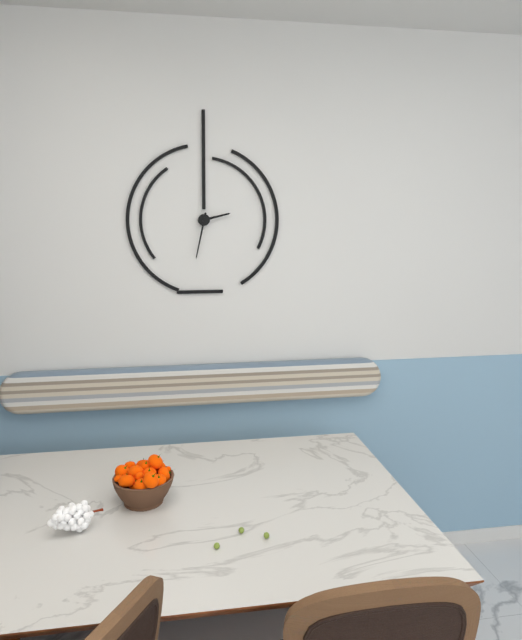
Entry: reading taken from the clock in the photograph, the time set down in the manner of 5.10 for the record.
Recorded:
2.32
